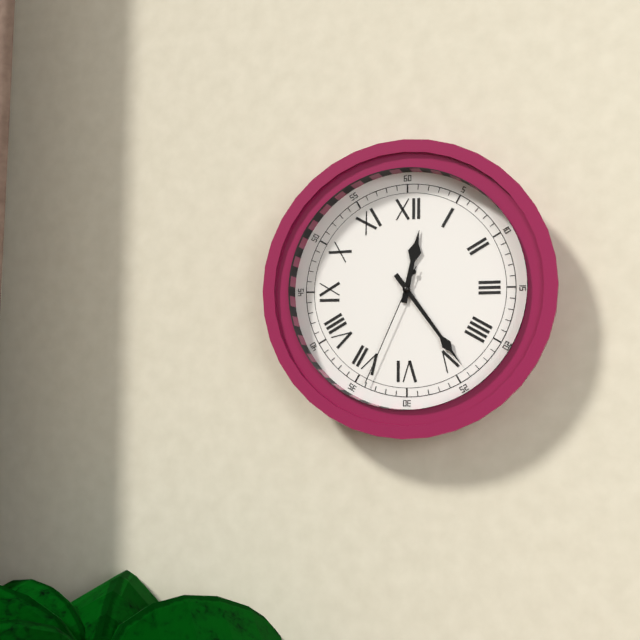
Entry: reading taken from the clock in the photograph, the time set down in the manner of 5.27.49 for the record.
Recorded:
12.24.34
